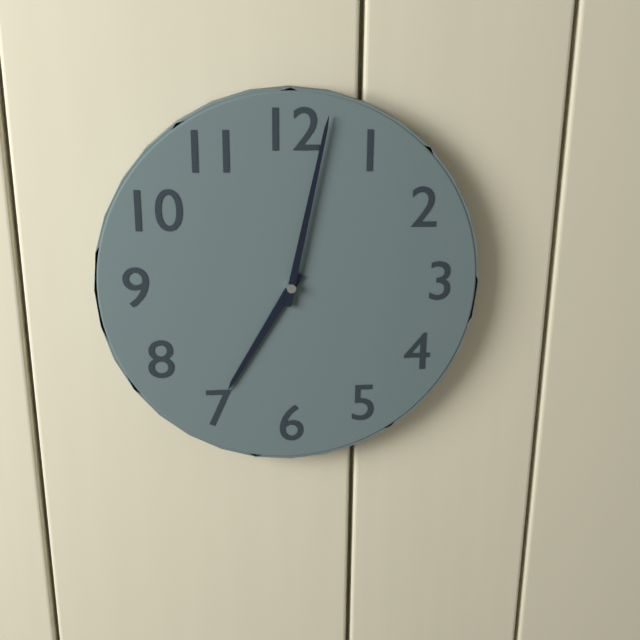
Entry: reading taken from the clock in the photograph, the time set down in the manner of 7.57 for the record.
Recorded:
7.02
